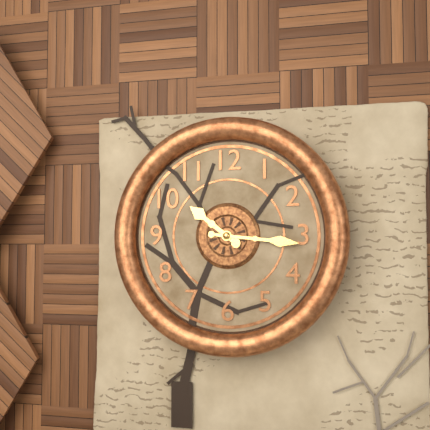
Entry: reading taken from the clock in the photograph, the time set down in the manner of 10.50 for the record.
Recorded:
10.16
